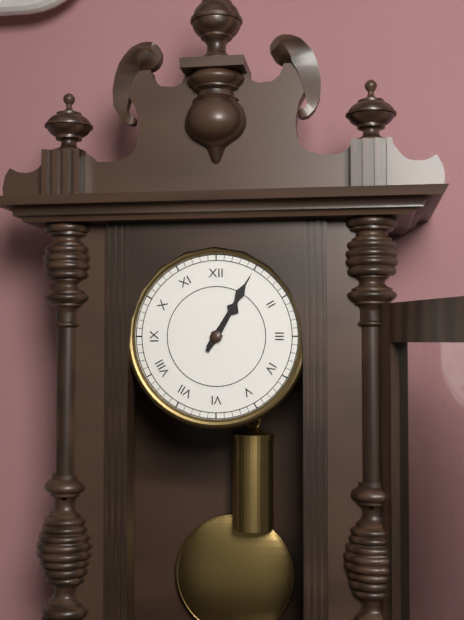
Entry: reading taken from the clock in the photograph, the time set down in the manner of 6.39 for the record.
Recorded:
1.05
